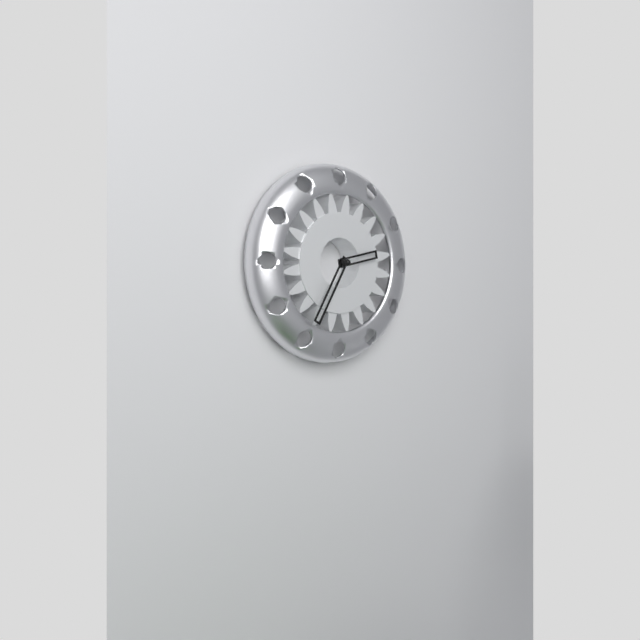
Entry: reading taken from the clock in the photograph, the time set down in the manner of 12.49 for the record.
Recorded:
2.35
